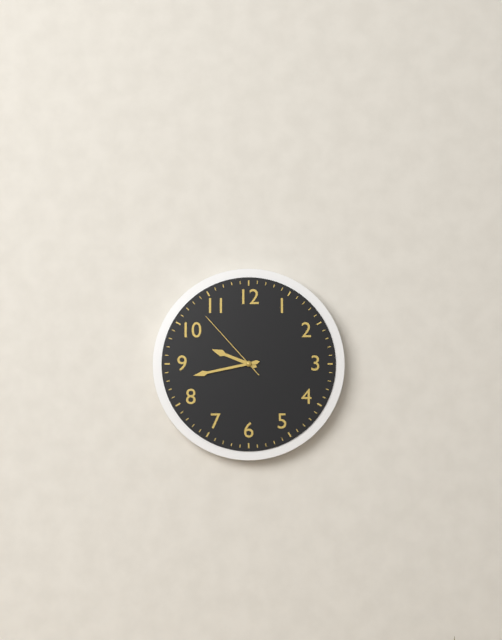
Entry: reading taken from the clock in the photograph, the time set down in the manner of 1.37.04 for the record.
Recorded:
9.43.53
